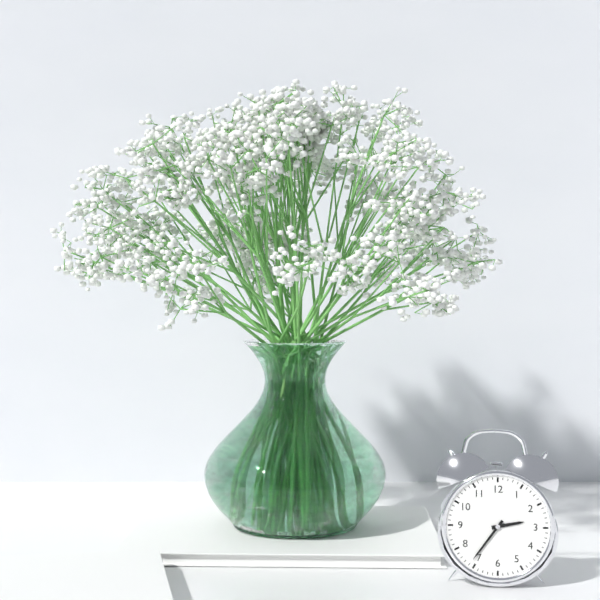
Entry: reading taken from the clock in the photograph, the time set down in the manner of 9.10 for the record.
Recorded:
2.36
